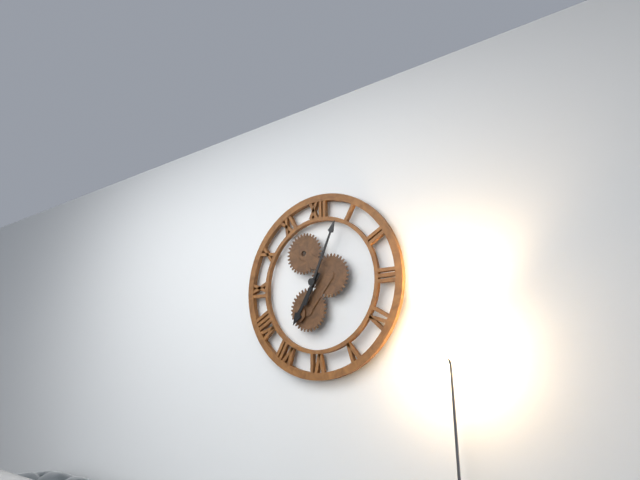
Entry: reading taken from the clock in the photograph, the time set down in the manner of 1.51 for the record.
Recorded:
7.04
